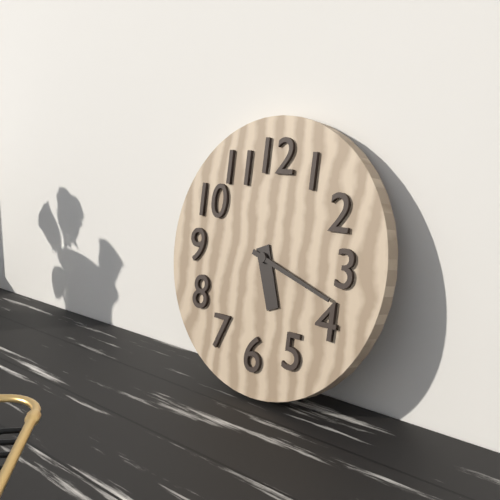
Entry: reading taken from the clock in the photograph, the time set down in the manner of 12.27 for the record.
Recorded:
5.18
